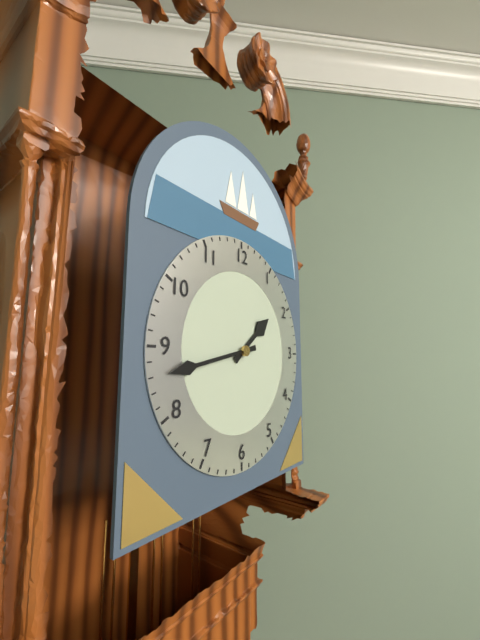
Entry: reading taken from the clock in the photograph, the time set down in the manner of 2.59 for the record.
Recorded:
1.43
